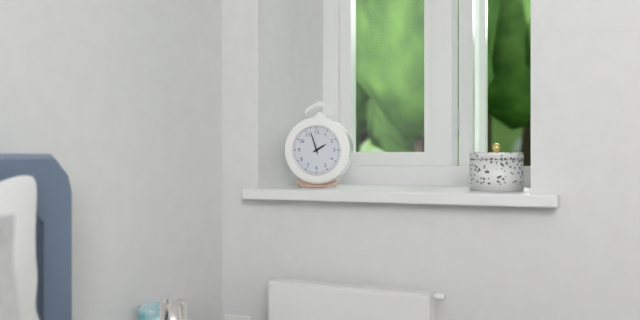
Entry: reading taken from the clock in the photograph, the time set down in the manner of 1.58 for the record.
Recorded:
1.57
